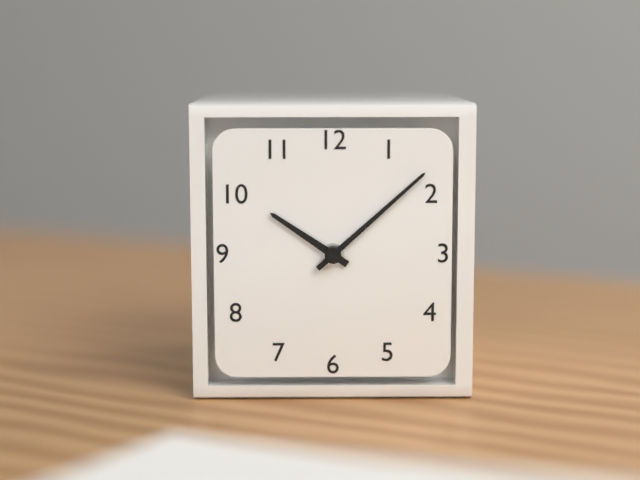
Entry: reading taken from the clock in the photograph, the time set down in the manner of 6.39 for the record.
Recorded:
10.08
